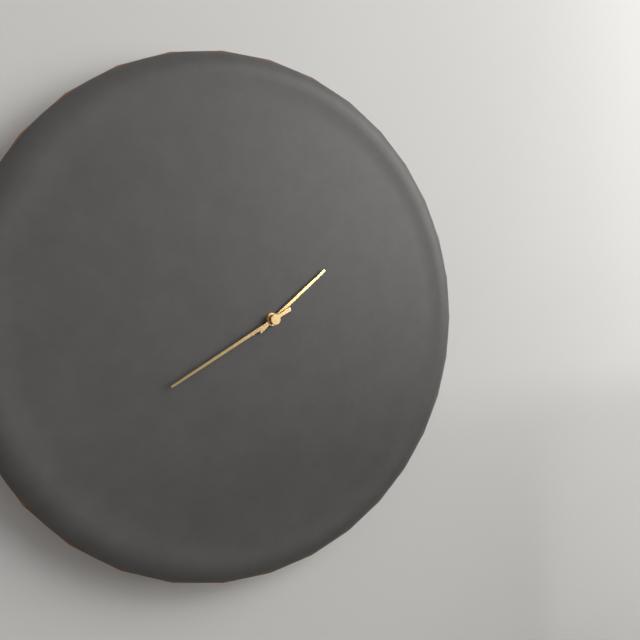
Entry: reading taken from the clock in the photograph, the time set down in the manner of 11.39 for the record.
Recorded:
1.40
